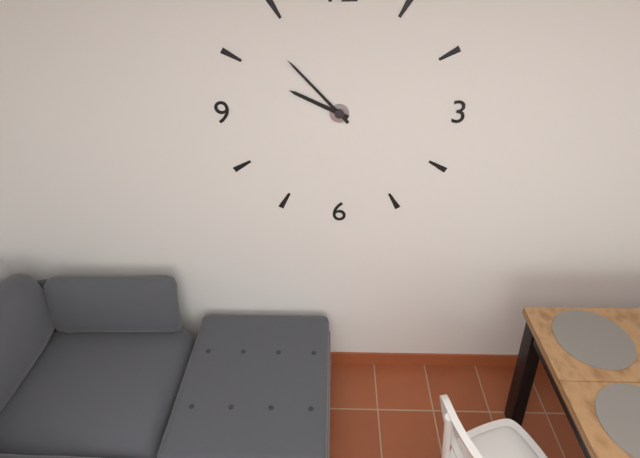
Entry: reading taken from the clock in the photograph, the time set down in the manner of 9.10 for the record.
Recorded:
9.53
